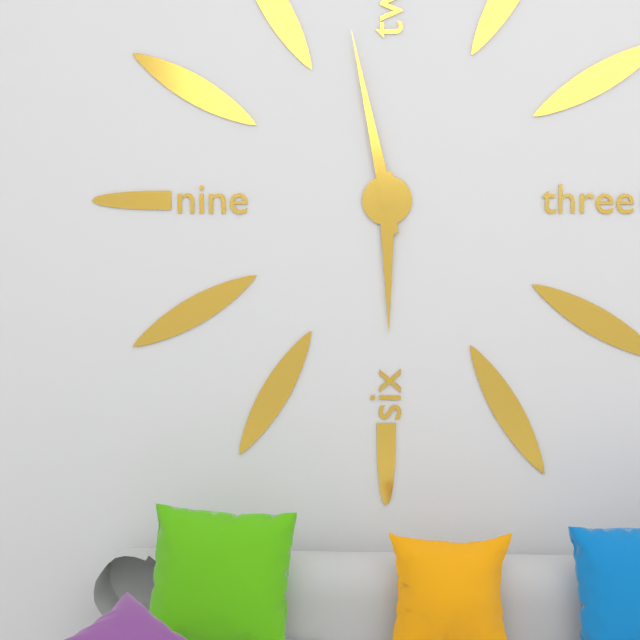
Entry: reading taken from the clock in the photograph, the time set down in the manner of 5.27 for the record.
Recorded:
5.58
